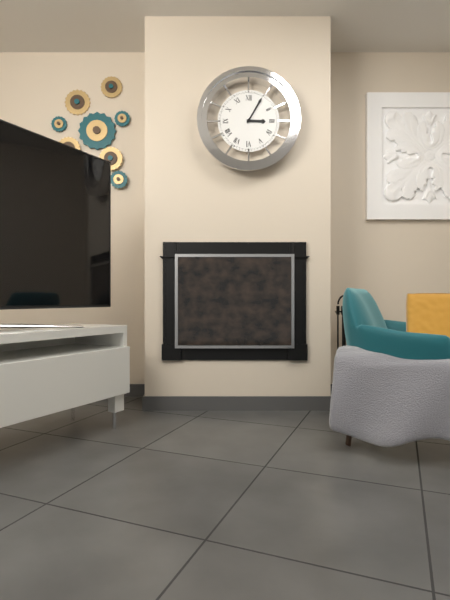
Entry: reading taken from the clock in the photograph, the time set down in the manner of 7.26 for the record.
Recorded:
3.05
